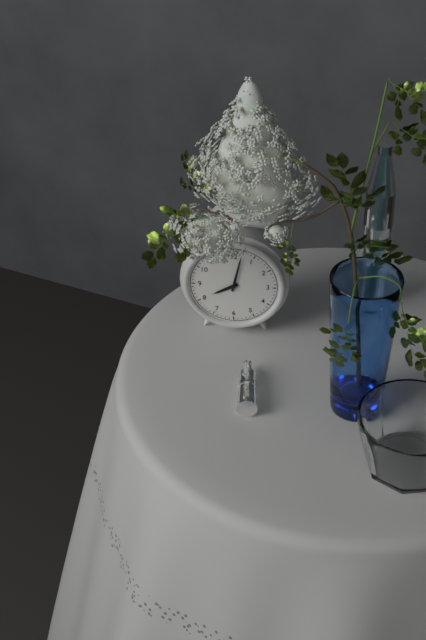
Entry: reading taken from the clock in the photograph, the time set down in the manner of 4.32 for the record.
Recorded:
8.02
